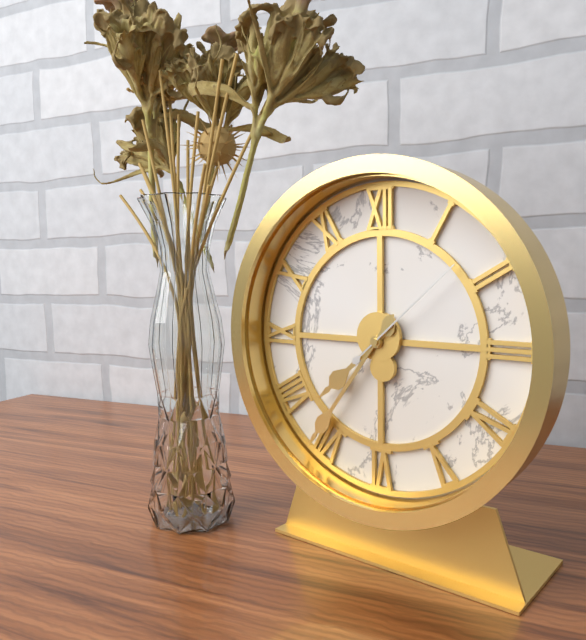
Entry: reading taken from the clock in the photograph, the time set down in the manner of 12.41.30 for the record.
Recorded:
7.36.08
